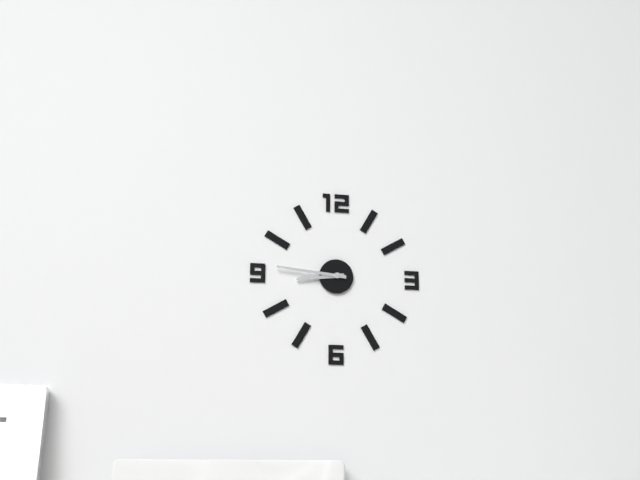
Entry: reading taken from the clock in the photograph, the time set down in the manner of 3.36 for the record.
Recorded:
8.46
